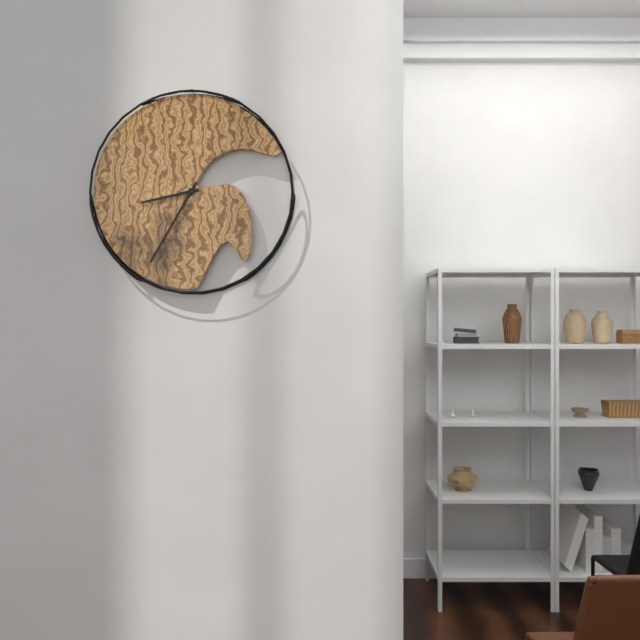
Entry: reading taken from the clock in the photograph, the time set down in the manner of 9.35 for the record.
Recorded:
8.35
